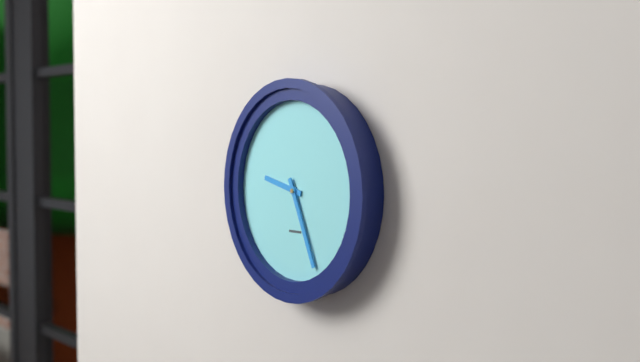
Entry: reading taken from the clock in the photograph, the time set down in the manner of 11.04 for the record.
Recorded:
9.26
